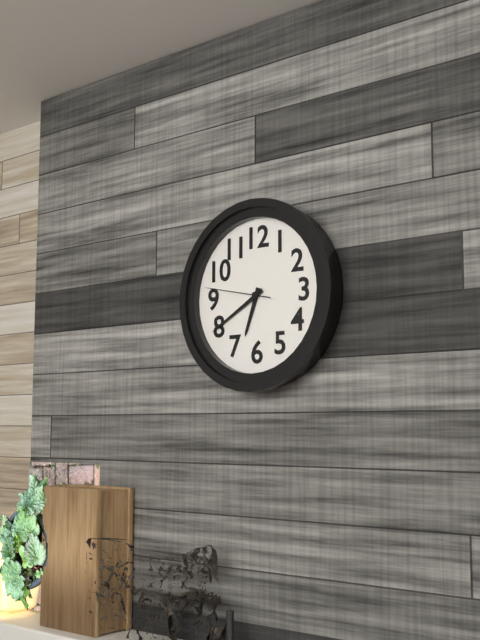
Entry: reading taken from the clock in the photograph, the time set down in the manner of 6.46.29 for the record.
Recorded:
6.40.47
